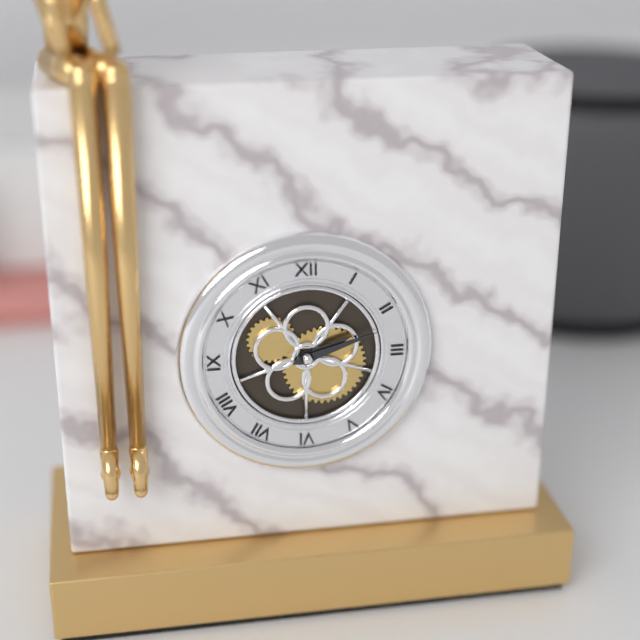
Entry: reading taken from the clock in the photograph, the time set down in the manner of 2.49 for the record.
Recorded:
2.12
